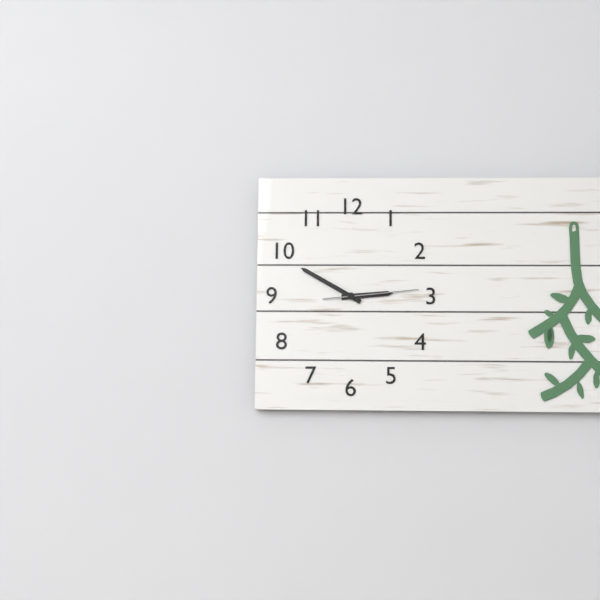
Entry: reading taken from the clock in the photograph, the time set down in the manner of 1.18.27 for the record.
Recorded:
2.50.14
